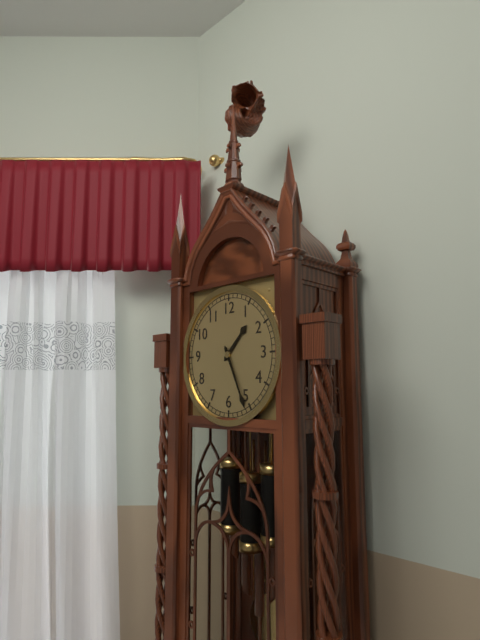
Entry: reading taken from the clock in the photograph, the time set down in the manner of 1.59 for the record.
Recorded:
1.26
